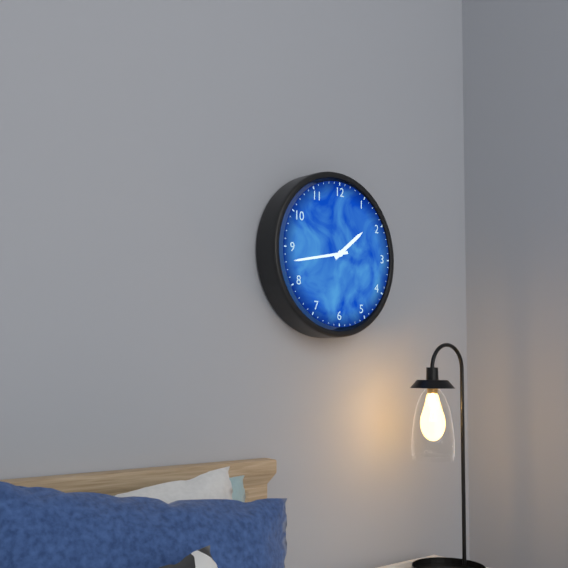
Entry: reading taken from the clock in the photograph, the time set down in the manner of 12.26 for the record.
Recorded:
1.43
